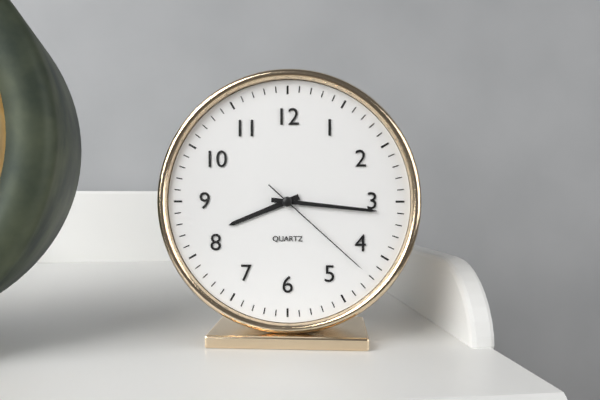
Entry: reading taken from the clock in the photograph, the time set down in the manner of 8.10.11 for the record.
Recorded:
8.16.22
